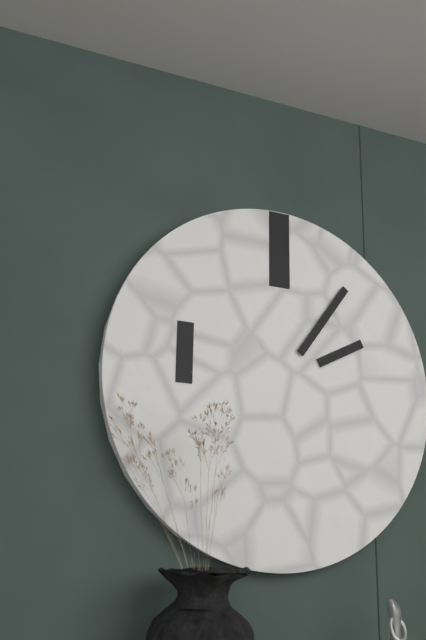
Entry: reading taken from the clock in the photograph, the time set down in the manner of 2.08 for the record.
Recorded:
2.06
